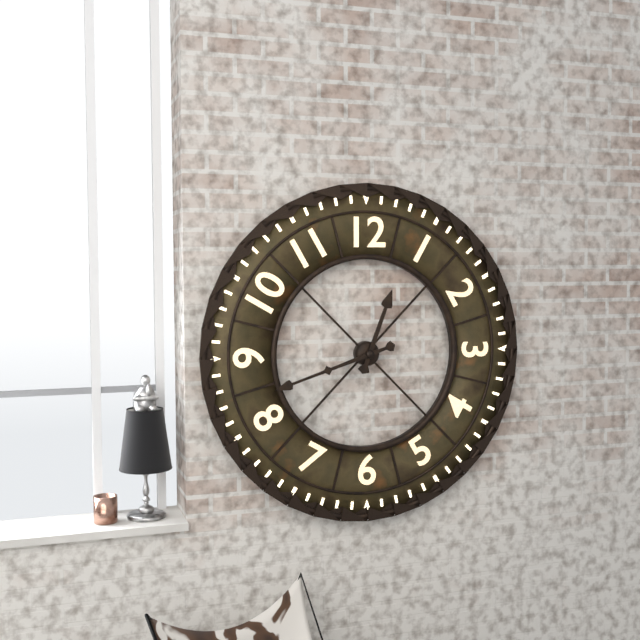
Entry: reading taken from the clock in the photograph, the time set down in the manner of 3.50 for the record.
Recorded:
12.42
